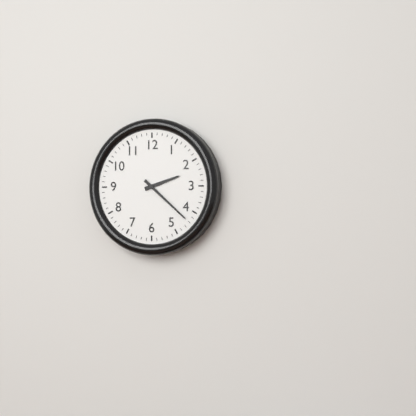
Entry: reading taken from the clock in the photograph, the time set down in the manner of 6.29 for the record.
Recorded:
2.22
